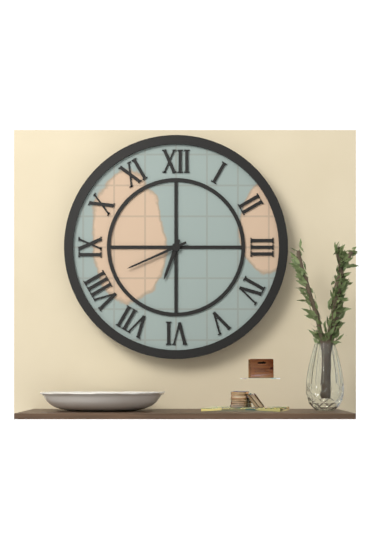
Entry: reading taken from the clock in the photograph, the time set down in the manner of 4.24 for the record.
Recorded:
6.41
